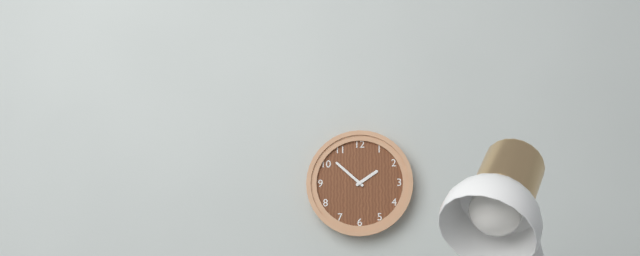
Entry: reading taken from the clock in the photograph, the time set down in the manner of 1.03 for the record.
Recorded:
1.52
